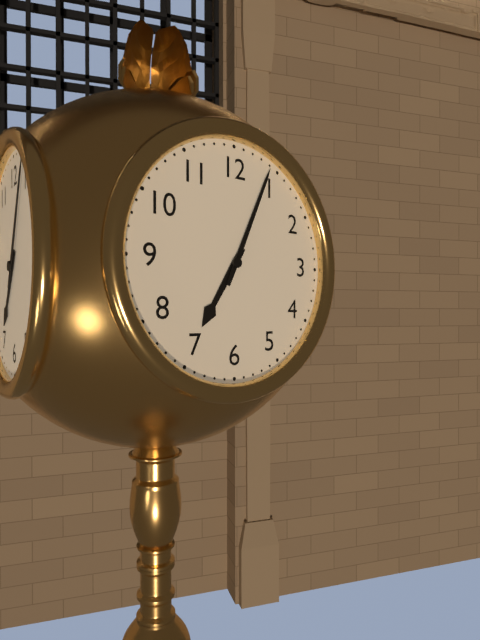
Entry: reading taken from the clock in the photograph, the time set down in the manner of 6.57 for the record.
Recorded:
7.04
